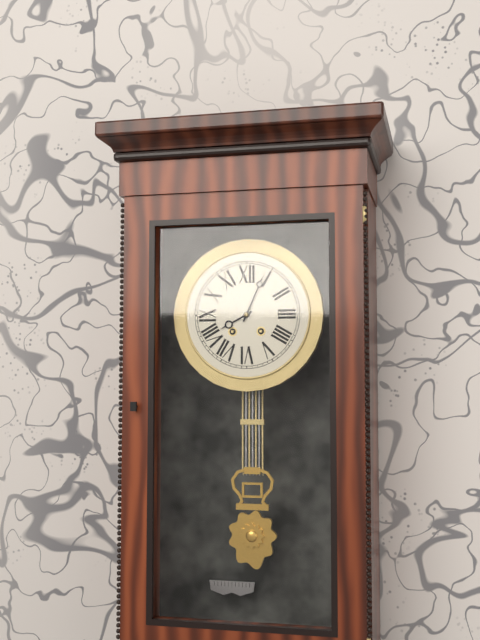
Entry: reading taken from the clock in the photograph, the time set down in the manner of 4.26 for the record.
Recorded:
8.04
